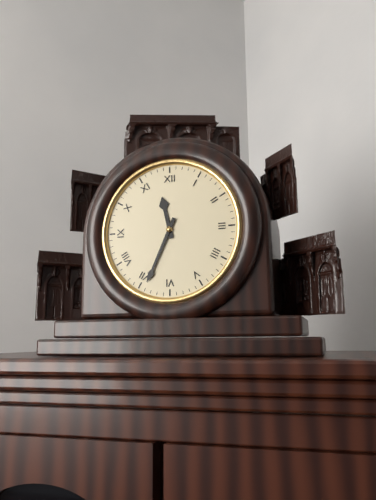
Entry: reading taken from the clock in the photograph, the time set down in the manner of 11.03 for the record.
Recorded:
11.34
